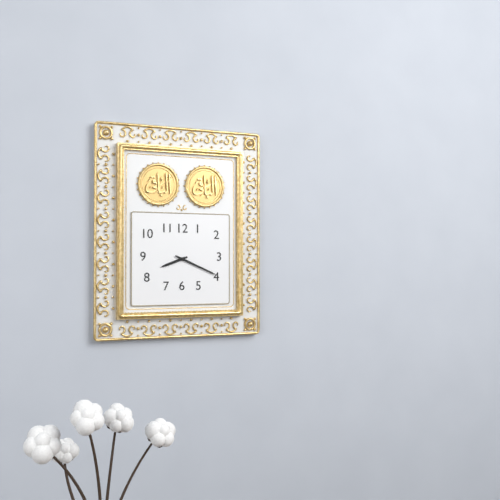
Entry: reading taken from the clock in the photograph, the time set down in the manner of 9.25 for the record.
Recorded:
8.19
